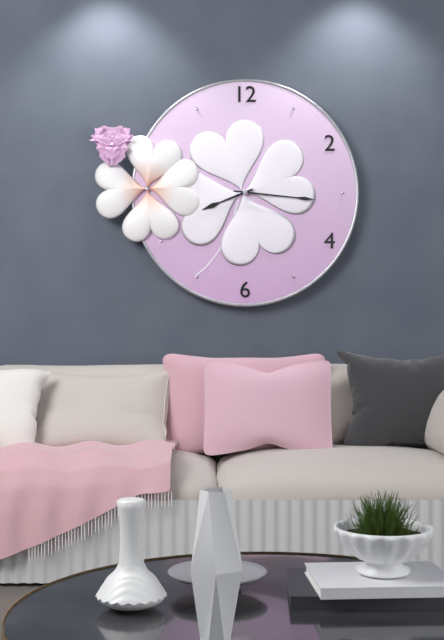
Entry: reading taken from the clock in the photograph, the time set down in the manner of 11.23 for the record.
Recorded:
8.16
